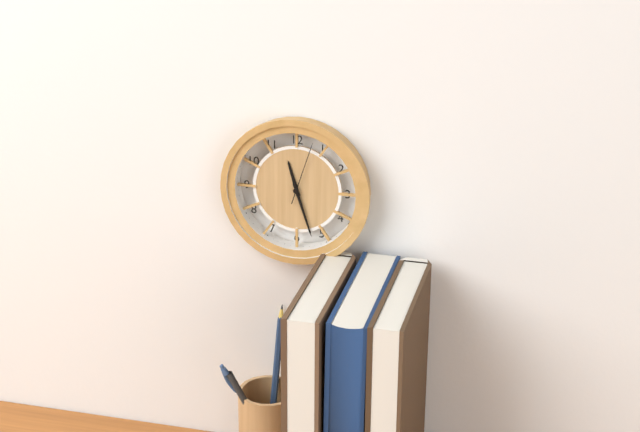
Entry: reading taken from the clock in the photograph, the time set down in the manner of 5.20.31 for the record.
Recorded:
11.27.03
